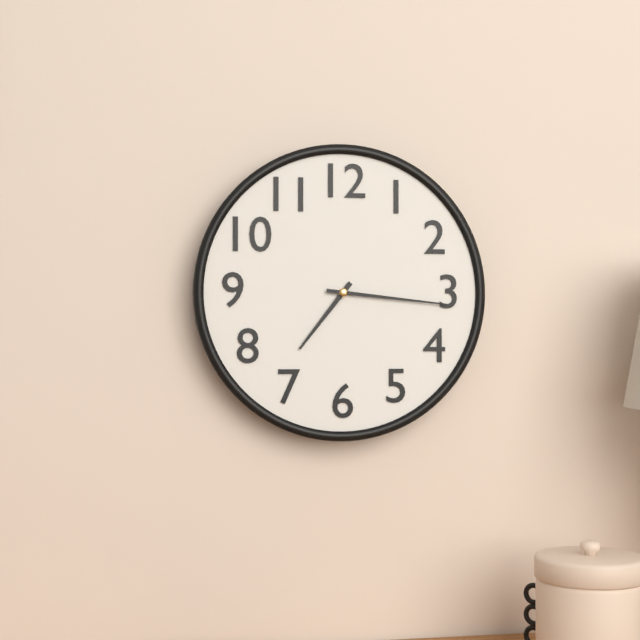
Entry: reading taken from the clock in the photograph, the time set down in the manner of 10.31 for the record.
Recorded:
7.16
